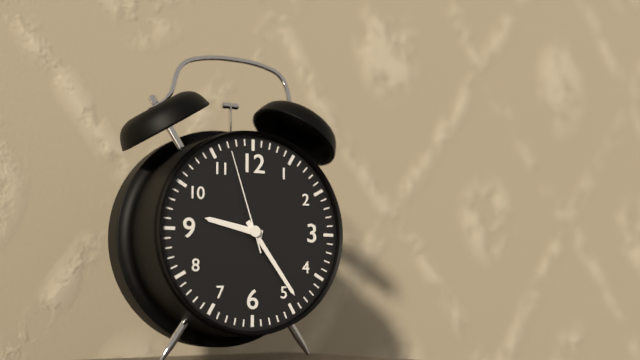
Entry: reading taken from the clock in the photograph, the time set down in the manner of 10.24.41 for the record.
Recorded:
9.24.57
